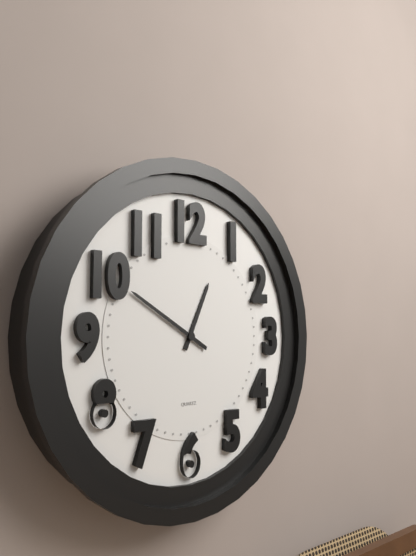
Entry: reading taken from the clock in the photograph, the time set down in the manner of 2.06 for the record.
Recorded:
12.50
